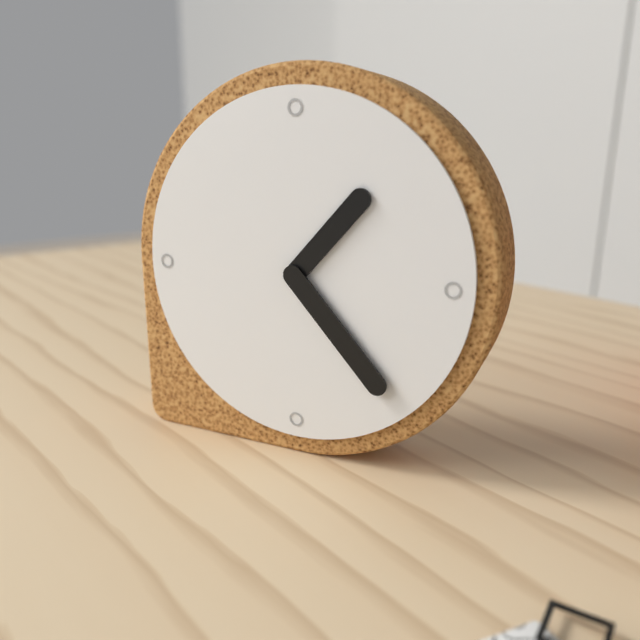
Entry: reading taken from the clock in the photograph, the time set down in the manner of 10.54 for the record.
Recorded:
1.23
